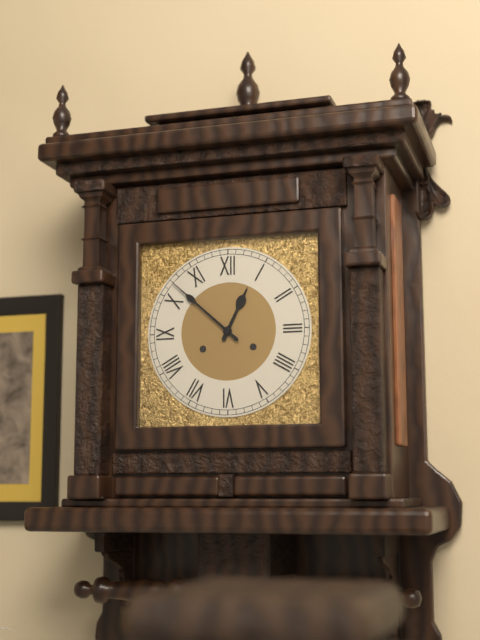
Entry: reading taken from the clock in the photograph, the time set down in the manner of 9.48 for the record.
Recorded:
12.52
